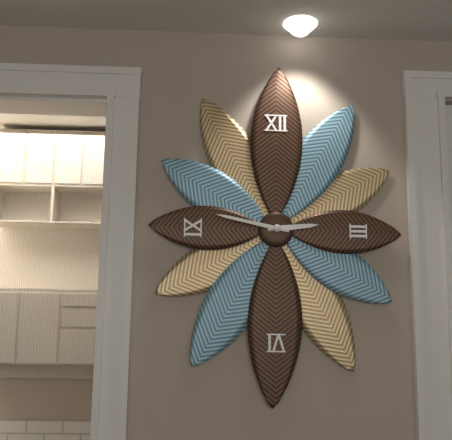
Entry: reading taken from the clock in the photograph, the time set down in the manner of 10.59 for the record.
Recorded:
2.47
